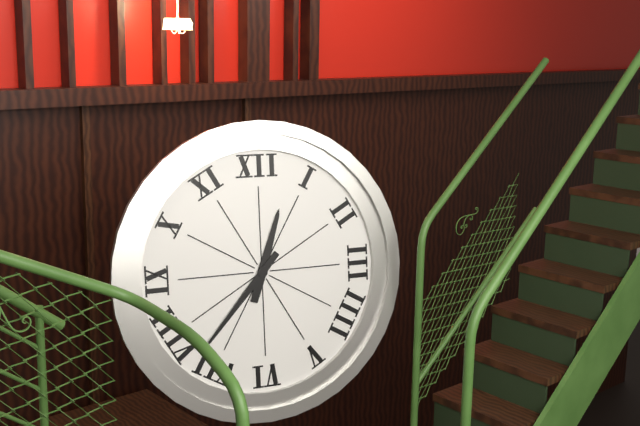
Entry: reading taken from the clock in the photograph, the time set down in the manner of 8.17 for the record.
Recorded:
12.37
